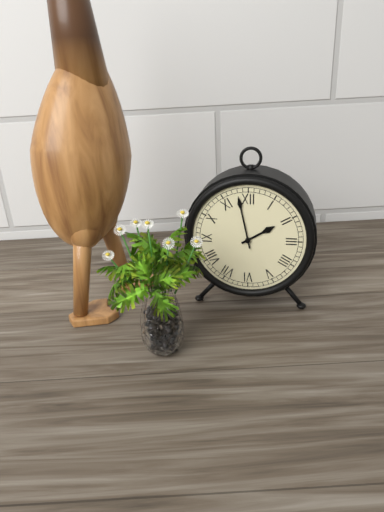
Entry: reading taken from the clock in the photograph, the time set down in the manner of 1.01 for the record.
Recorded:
1.58
